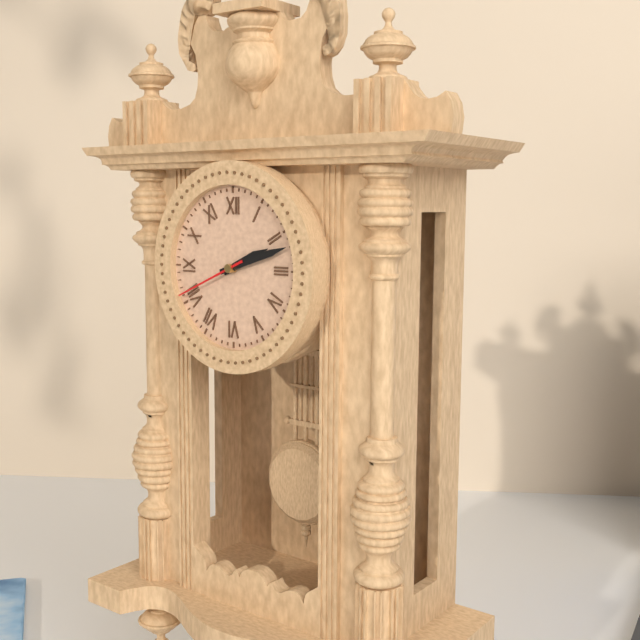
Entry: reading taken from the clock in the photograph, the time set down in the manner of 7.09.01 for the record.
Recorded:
2.12.41
